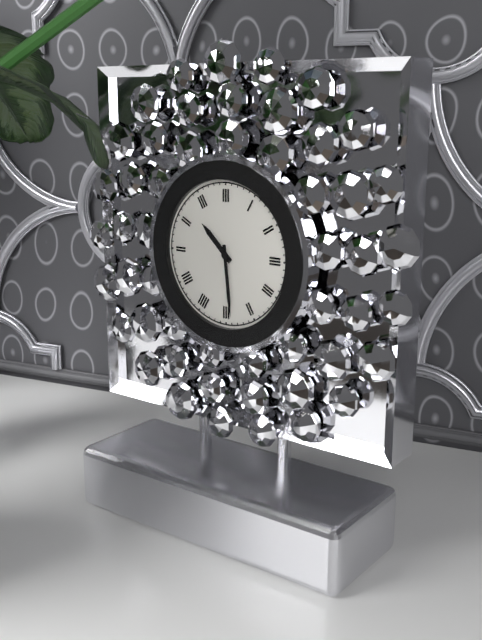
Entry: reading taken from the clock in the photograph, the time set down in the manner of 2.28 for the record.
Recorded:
10.29
